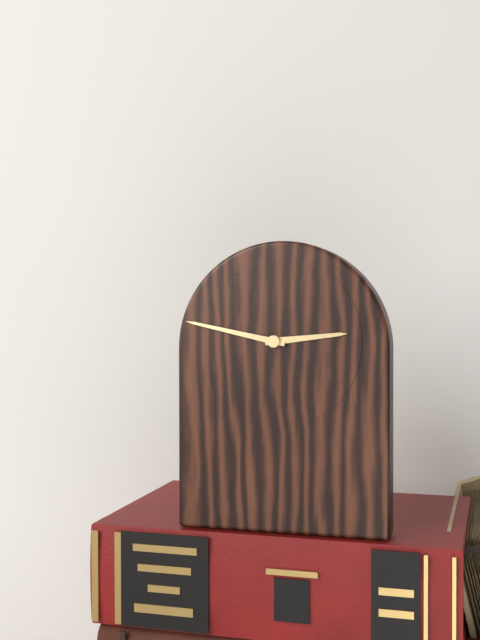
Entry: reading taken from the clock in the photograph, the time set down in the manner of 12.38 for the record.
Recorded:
2.47
